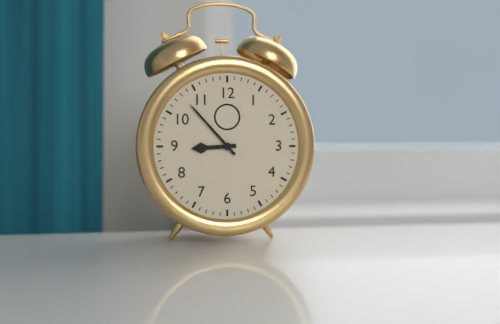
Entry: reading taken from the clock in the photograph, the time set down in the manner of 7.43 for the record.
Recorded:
8.53
